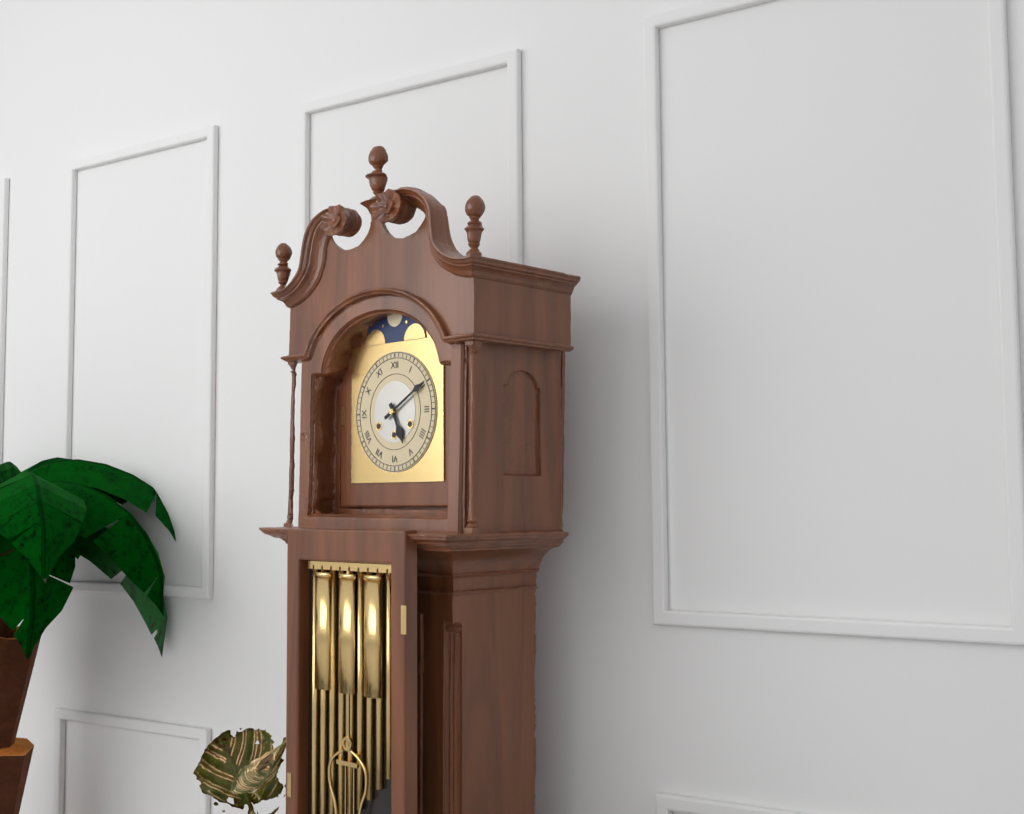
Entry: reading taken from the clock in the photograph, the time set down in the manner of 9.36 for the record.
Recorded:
5.10
